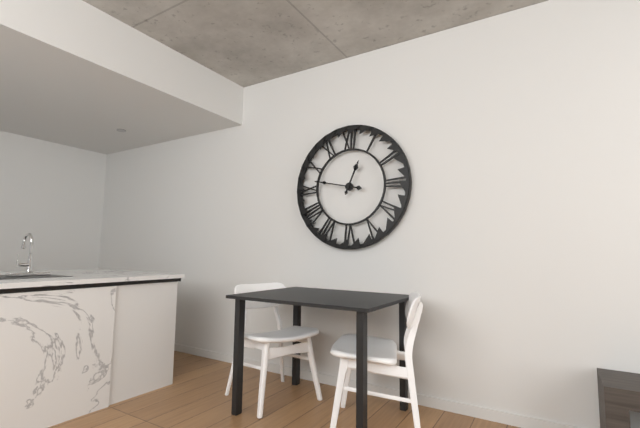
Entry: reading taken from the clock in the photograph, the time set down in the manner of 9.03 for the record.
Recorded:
12.47
